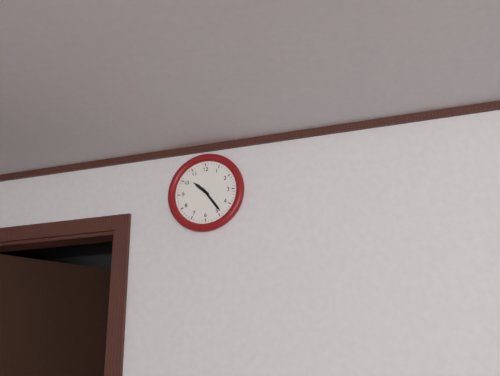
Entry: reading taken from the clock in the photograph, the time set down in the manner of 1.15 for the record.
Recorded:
10.24
